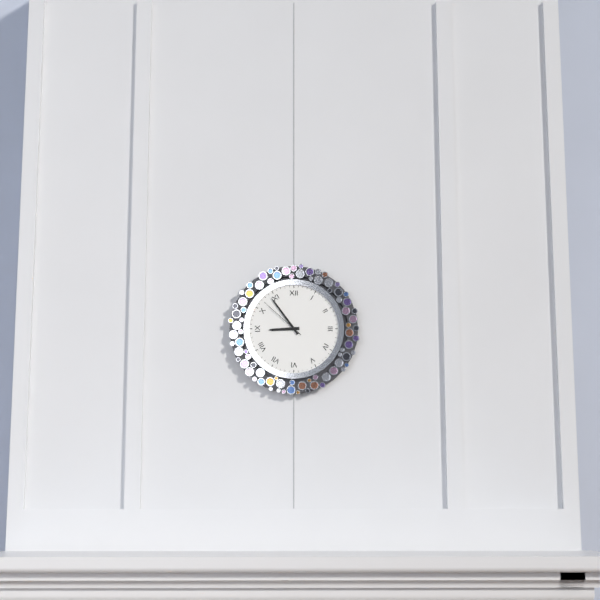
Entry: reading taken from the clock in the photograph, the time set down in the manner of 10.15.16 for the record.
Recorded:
8.54.52
